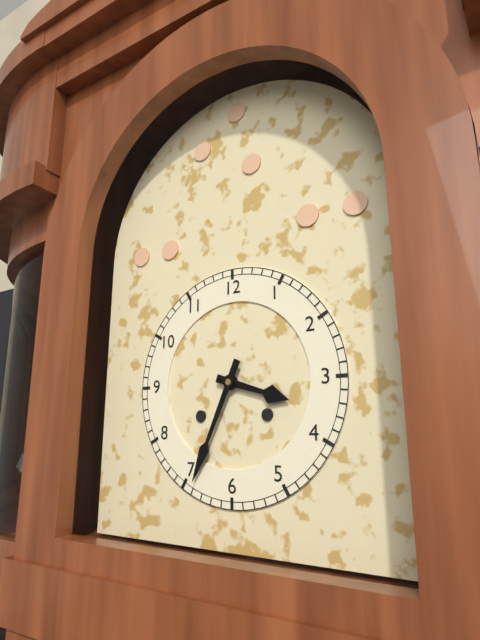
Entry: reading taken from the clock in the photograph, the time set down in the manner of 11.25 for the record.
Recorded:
3.34
